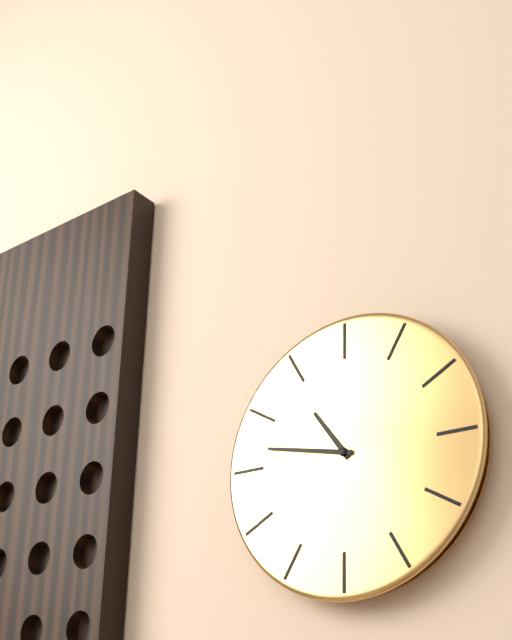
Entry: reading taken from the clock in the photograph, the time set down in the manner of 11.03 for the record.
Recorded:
10.47
